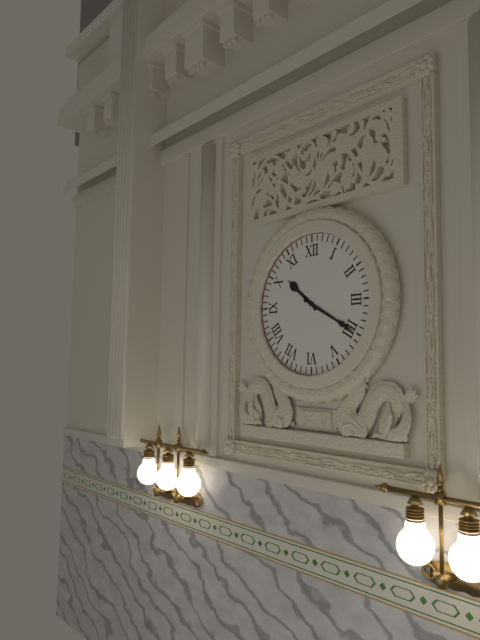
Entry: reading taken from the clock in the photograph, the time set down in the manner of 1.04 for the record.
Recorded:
10.20
